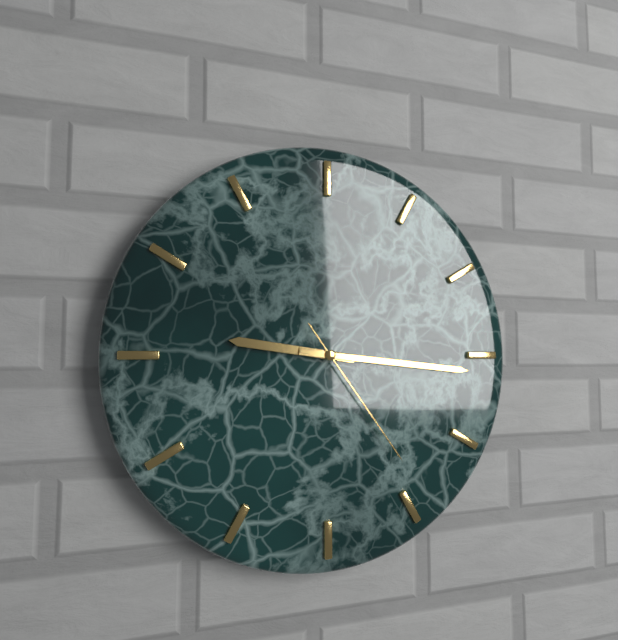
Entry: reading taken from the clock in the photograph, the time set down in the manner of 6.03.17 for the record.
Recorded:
9.16.24
